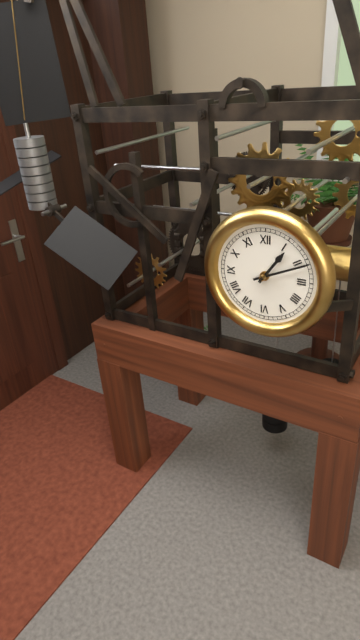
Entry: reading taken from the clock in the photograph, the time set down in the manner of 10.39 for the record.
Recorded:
1.11
